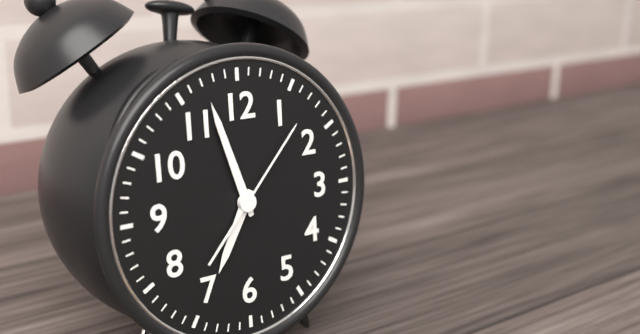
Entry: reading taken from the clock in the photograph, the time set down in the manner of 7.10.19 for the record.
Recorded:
6.57.07
